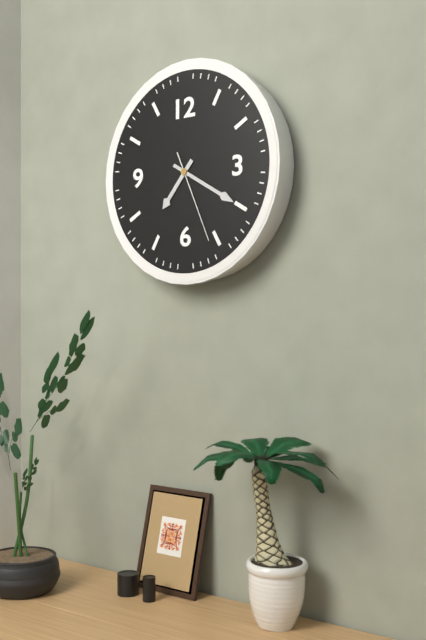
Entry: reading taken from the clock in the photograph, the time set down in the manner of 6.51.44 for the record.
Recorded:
7.20.26
